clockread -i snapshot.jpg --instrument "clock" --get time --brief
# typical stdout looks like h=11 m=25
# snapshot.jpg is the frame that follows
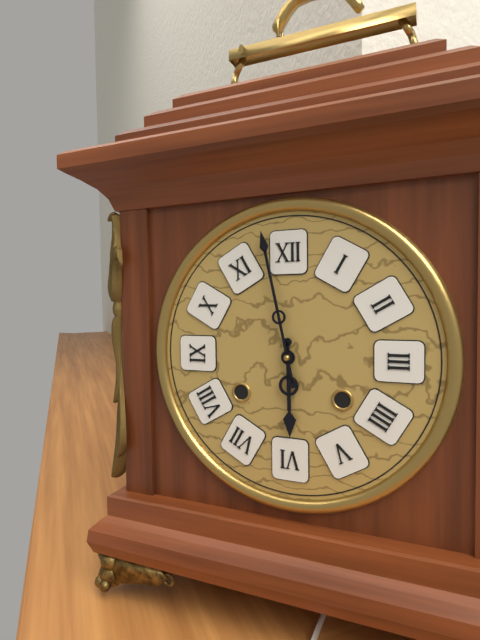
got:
h=5 m=58
